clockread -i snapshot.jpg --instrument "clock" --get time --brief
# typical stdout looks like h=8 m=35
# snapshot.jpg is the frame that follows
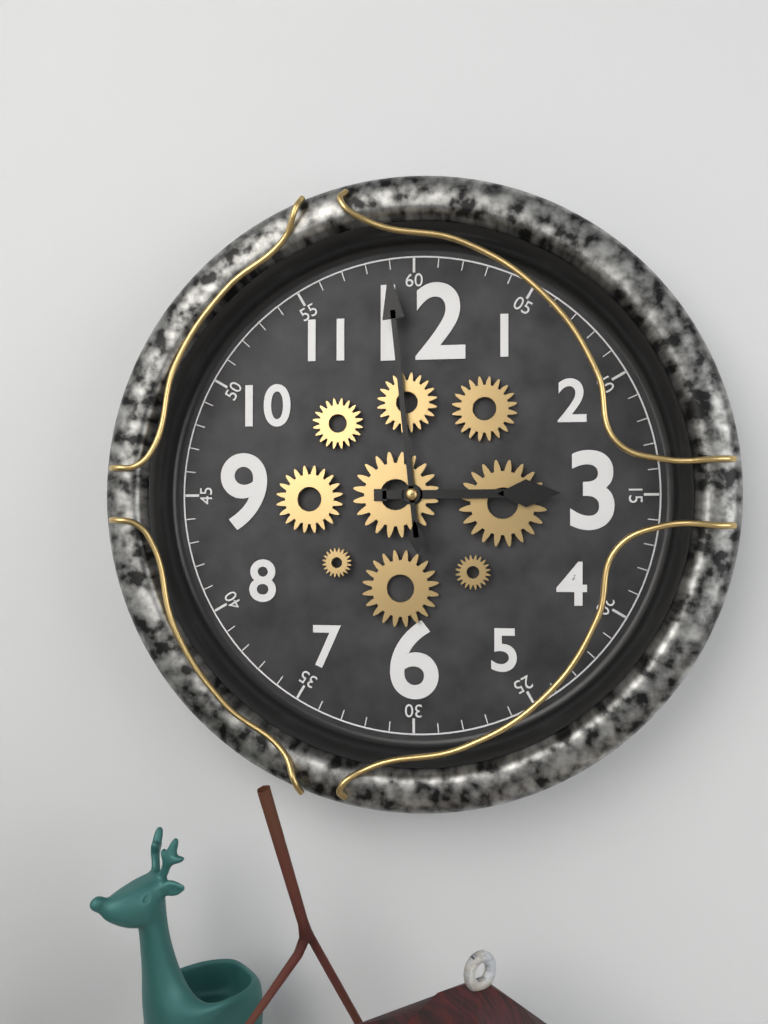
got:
h=2 m=59
